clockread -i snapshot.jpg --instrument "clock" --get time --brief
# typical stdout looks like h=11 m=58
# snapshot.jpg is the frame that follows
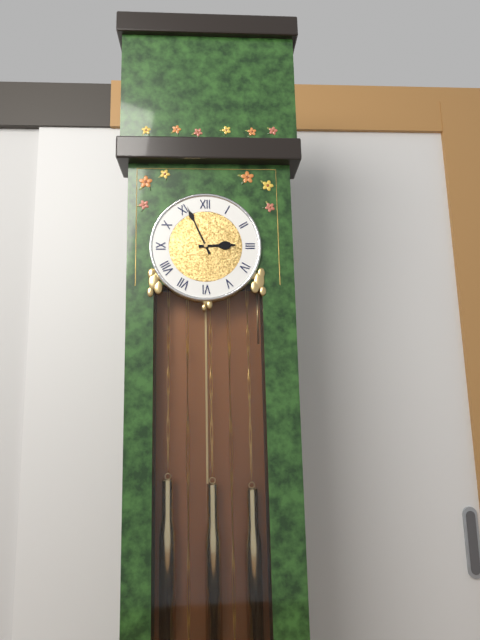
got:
h=2 m=56
